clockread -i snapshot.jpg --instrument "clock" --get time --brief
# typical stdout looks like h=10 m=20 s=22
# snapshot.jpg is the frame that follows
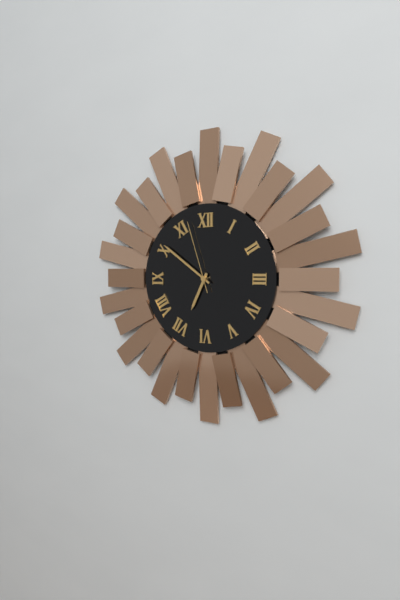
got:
h=6 m=51 s=57
